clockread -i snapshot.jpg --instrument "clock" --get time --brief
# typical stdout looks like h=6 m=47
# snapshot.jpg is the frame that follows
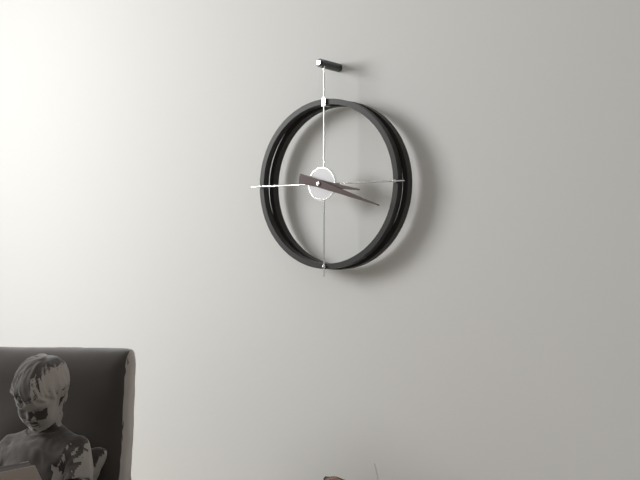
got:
h=3 m=18
